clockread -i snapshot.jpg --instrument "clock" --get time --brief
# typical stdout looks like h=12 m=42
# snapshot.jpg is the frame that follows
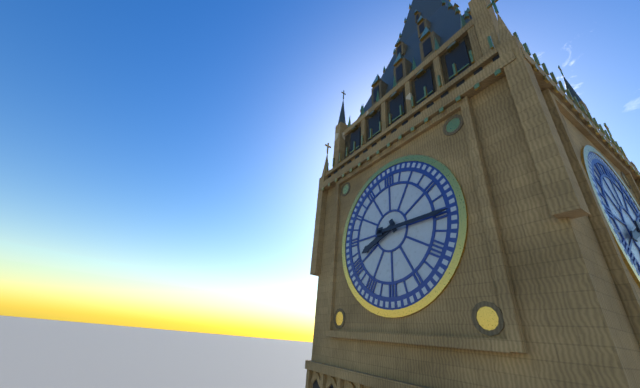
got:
h=8 m=15
